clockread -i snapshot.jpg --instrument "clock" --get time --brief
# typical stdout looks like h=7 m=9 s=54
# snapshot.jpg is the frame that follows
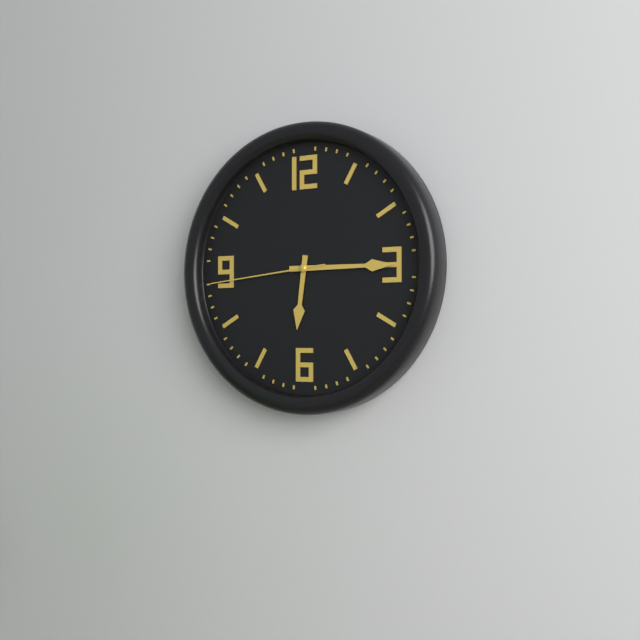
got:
h=6 m=15 s=44
